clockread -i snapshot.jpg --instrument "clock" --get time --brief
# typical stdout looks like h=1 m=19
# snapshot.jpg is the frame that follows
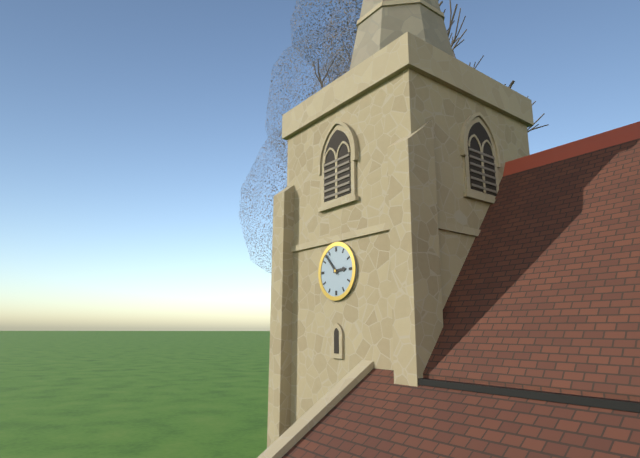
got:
h=2 m=53
